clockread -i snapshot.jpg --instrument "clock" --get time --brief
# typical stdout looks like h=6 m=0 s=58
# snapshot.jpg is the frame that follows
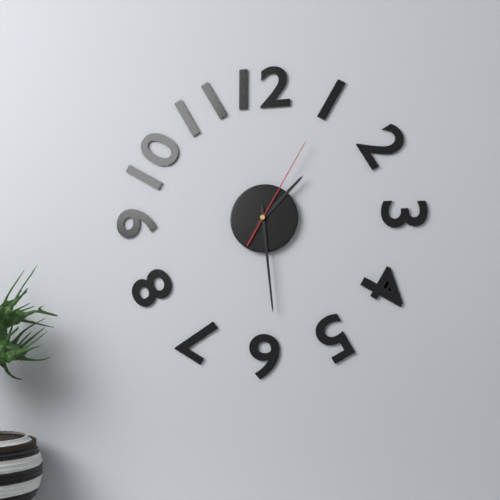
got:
h=1 m=29 s=5
